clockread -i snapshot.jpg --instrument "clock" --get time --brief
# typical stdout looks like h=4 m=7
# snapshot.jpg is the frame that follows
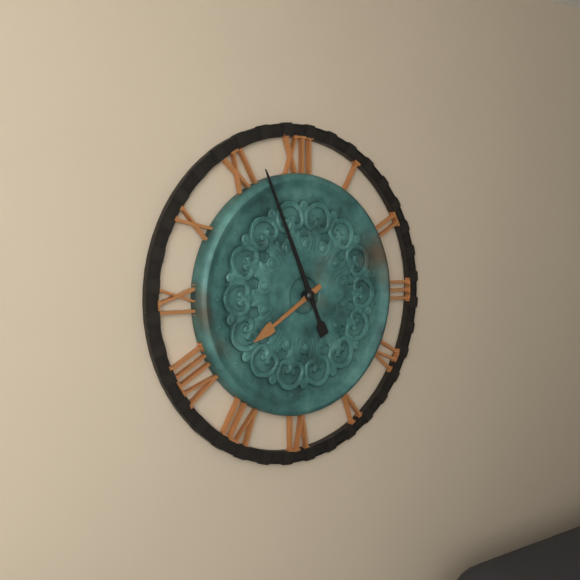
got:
h=7 m=56
